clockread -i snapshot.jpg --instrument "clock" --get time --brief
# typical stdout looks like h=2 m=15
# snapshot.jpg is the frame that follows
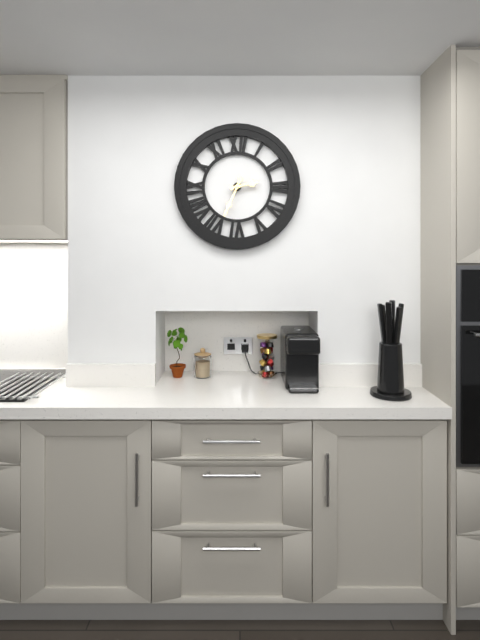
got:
h=2 m=34
